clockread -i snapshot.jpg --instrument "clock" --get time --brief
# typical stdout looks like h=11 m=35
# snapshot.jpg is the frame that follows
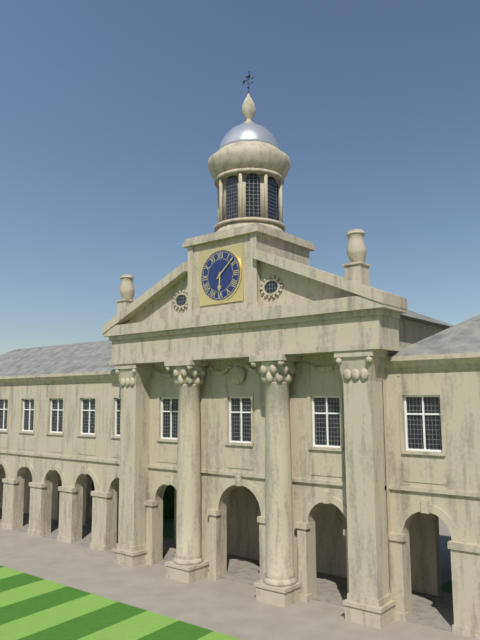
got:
h=6 m=8
